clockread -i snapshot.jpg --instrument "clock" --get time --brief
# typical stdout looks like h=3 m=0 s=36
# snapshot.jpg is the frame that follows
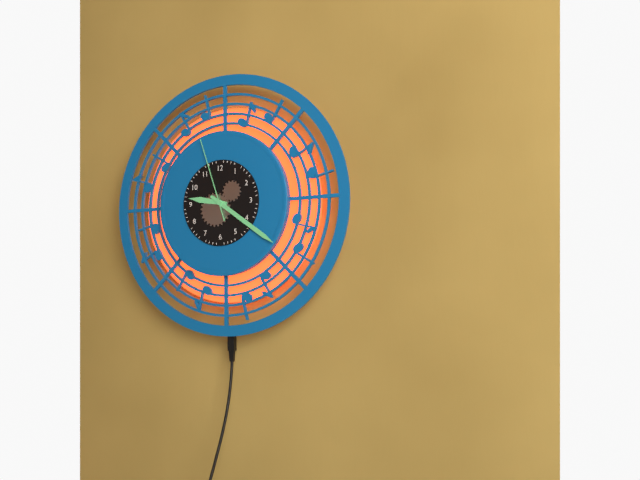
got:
h=9 m=21 s=57
